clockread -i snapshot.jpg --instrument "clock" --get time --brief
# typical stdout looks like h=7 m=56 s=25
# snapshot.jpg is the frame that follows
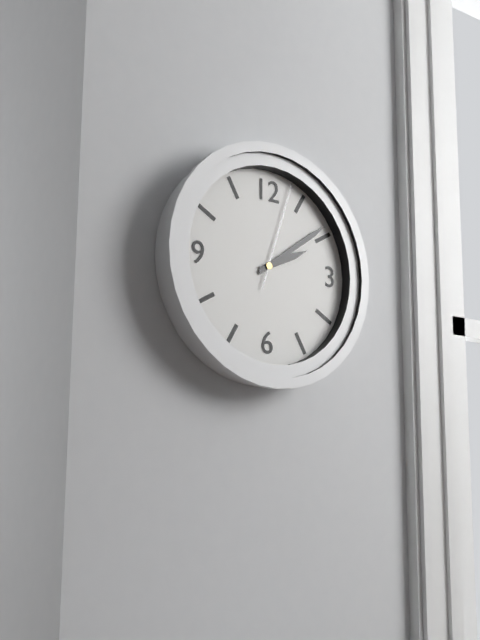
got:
h=2 m=9 s=3
